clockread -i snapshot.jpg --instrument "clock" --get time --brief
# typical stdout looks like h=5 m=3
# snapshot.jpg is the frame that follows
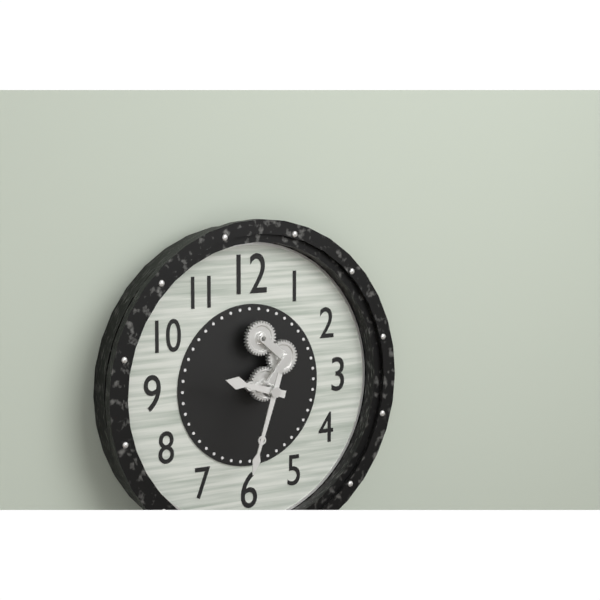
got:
h=9 m=33
